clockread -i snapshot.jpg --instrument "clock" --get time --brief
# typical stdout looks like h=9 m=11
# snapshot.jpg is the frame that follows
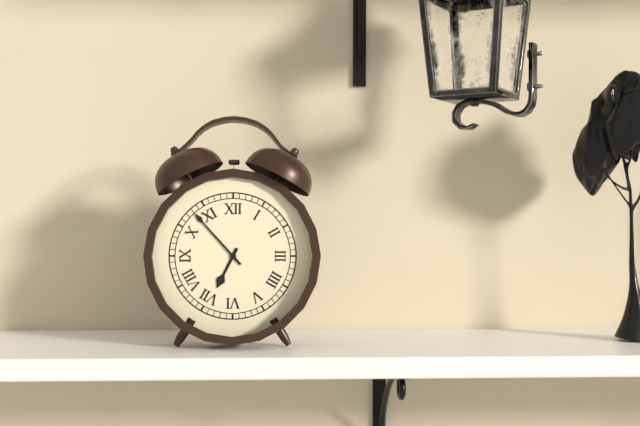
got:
h=6 m=53
